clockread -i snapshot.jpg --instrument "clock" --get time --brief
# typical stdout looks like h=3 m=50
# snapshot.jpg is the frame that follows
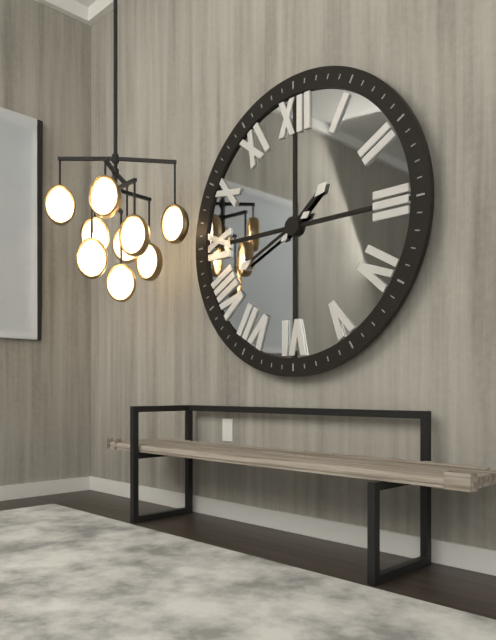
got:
h=1 m=41
